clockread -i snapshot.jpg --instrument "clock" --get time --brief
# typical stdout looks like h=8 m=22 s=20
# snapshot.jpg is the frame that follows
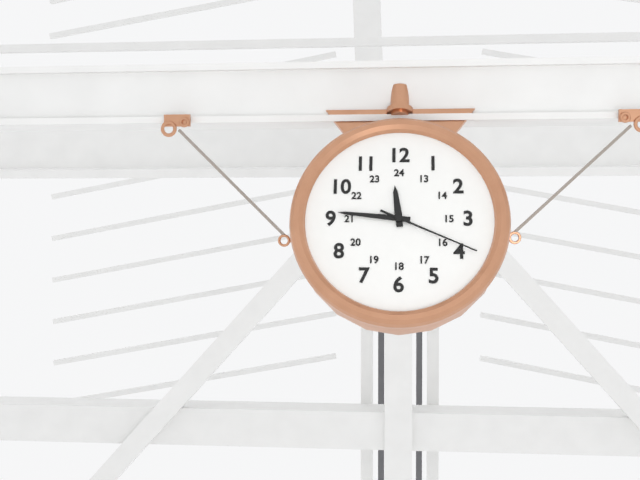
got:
h=11 m=46 s=19
